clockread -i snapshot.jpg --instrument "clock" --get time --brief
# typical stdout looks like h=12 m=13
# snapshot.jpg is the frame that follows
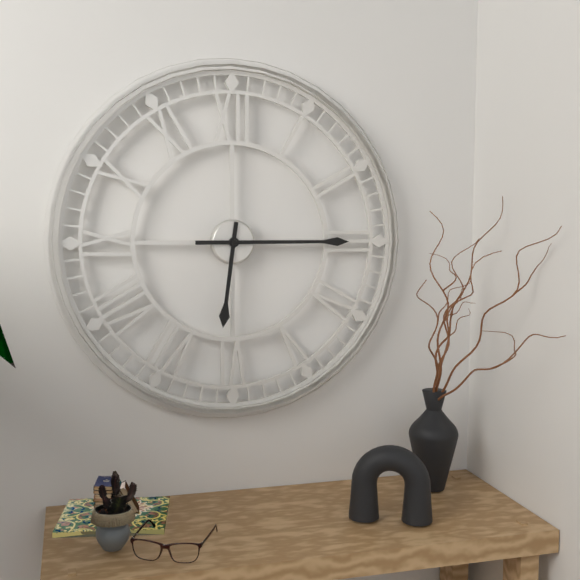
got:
h=6 m=15
